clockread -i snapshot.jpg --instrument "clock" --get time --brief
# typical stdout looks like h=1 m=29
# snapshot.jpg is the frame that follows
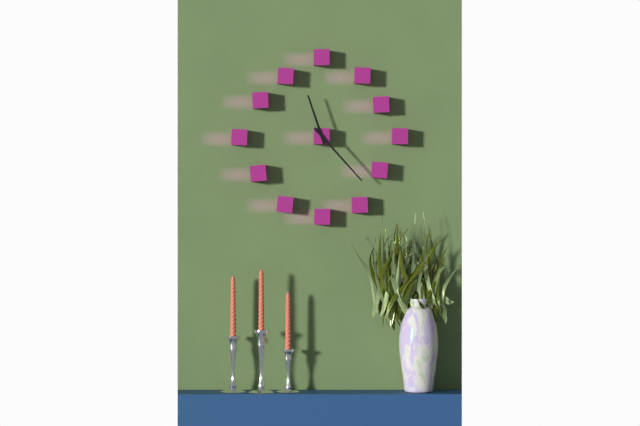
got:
h=11 m=23
